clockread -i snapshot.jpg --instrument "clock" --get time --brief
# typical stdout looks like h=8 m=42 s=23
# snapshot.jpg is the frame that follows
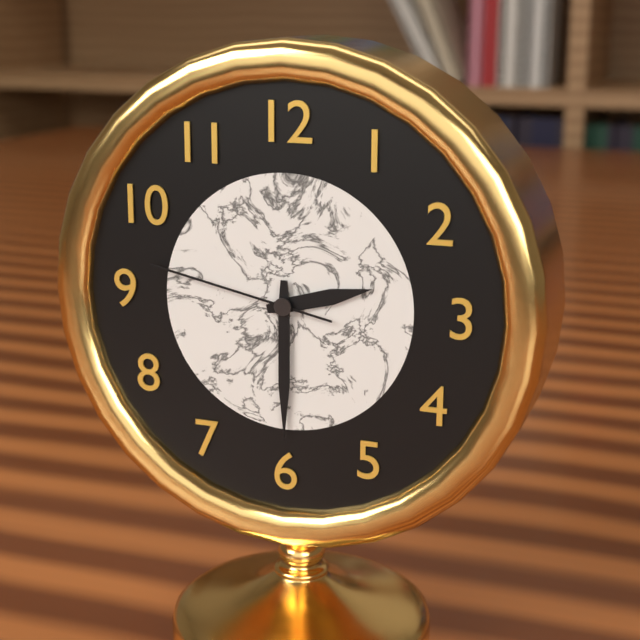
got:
h=2 m=30 s=47
